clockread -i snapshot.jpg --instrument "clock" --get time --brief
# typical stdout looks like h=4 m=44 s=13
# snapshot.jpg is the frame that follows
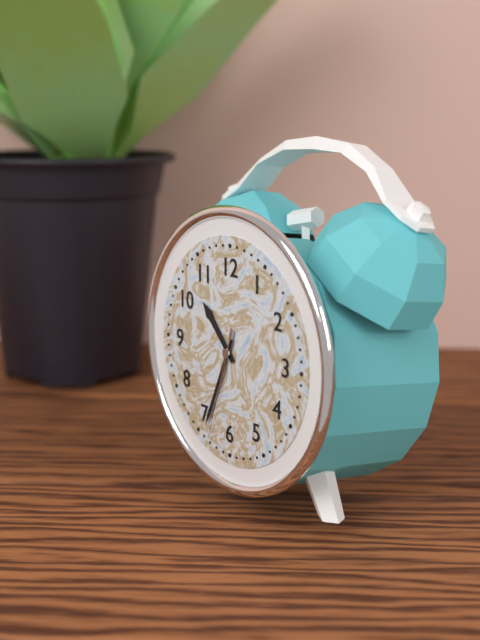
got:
h=10 m=34 s=33
